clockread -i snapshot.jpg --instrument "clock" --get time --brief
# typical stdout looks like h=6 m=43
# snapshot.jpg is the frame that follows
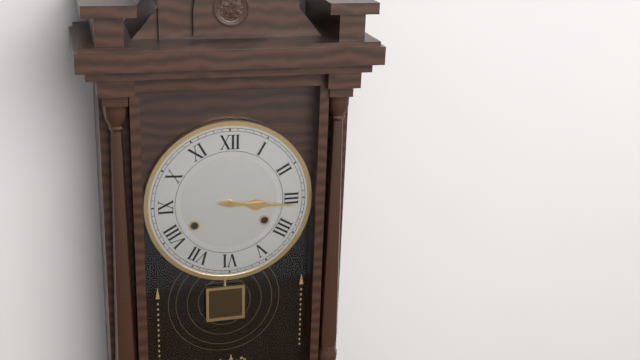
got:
h=3 m=16
